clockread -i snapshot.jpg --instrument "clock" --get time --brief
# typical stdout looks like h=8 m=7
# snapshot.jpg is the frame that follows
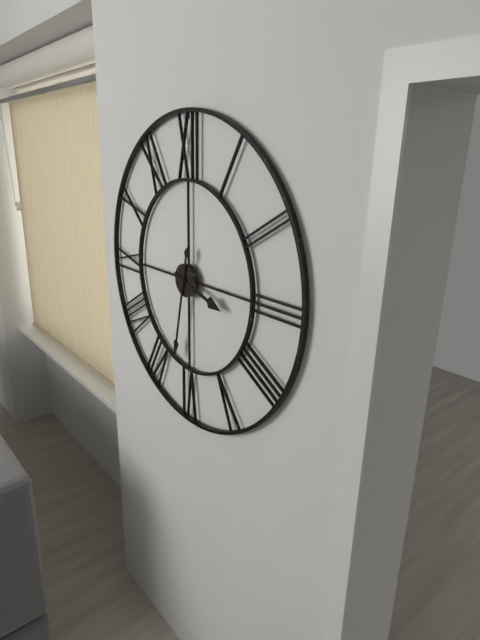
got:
h=3 m=32
